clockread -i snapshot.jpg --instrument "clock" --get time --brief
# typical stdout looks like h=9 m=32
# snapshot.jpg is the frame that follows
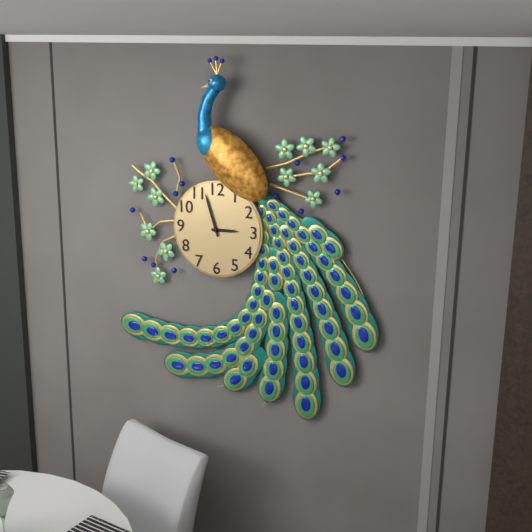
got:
h=2 m=57
